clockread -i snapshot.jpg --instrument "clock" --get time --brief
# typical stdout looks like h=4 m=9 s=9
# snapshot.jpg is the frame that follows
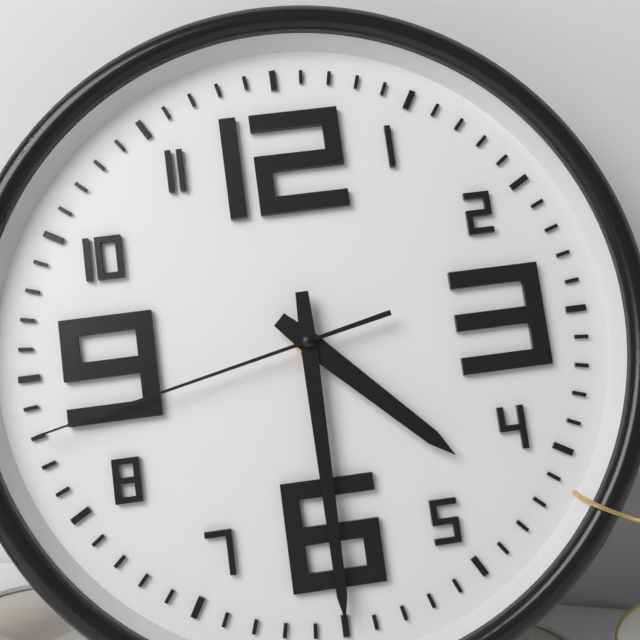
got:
h=4 m=30 s=43
